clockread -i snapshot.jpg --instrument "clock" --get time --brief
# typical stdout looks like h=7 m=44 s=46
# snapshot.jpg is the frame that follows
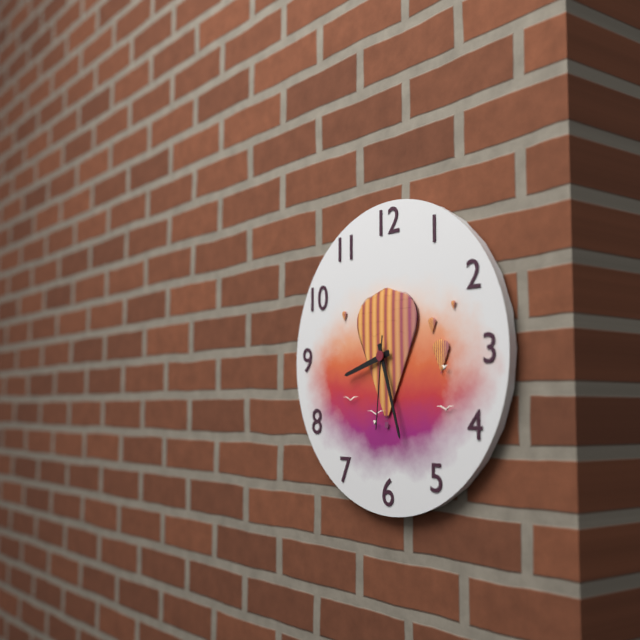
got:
h=8 m=27 s=31
